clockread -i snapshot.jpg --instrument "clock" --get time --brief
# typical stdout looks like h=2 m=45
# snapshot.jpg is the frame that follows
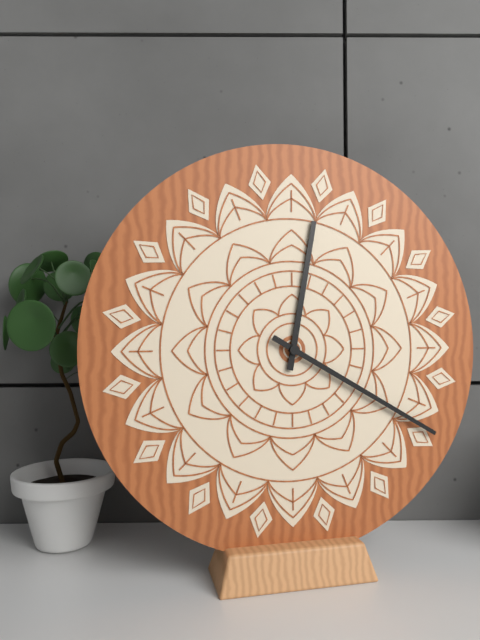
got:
h=12 m=20
